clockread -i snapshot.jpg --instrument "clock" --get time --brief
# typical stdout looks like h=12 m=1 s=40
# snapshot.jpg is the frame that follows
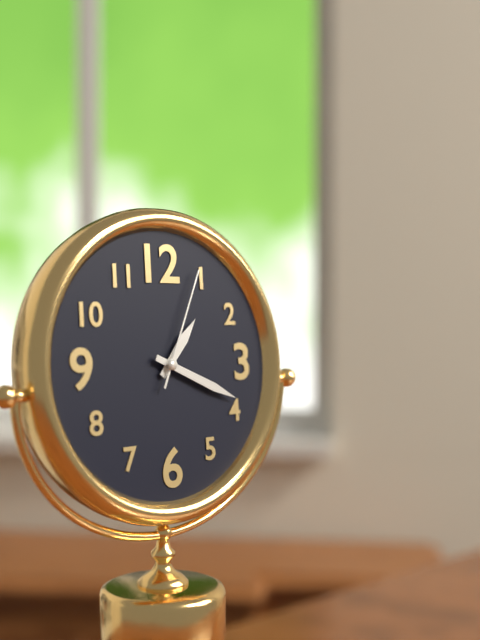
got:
h=1 m=19 s=4
